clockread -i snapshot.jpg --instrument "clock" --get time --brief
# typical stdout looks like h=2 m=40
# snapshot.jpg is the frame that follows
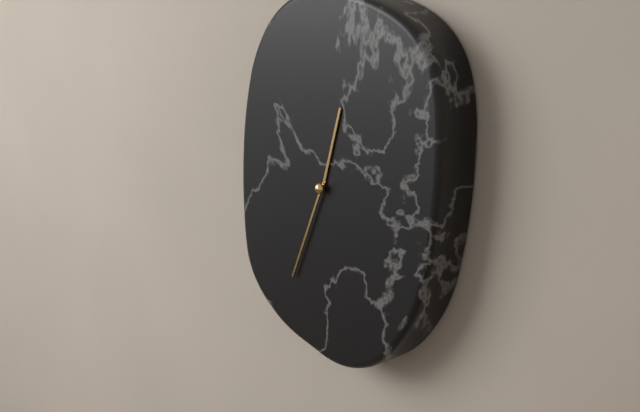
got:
h=12 m=34
